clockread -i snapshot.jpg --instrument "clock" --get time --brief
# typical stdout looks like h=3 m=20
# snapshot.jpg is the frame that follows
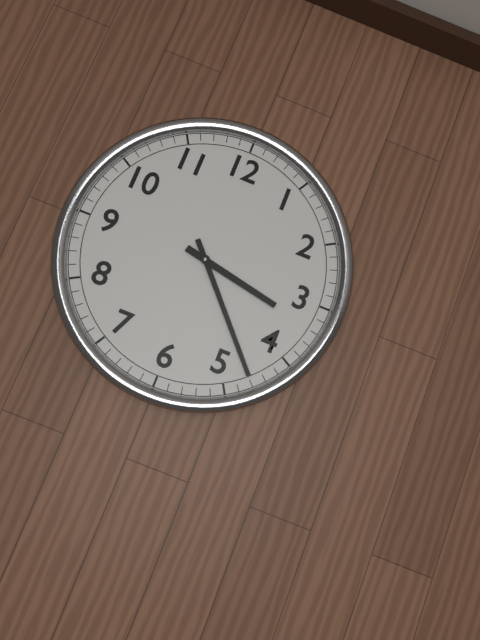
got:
h=3 m=23
